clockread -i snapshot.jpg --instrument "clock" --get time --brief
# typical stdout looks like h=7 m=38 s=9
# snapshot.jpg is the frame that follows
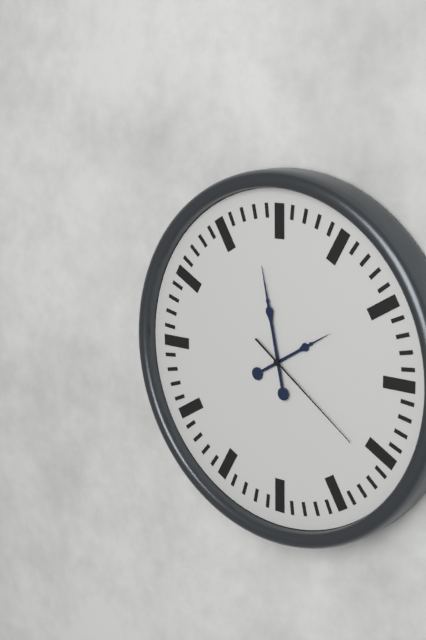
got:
h=1 m=58 s=21
